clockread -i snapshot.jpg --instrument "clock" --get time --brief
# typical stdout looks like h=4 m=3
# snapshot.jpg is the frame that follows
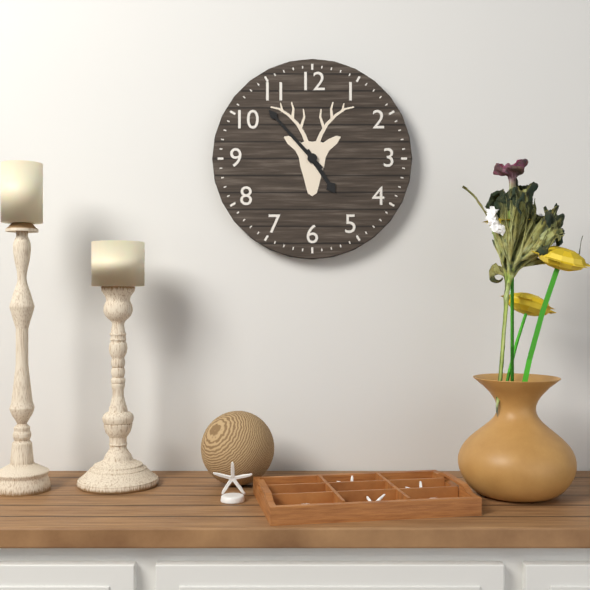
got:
h=4 m=53
